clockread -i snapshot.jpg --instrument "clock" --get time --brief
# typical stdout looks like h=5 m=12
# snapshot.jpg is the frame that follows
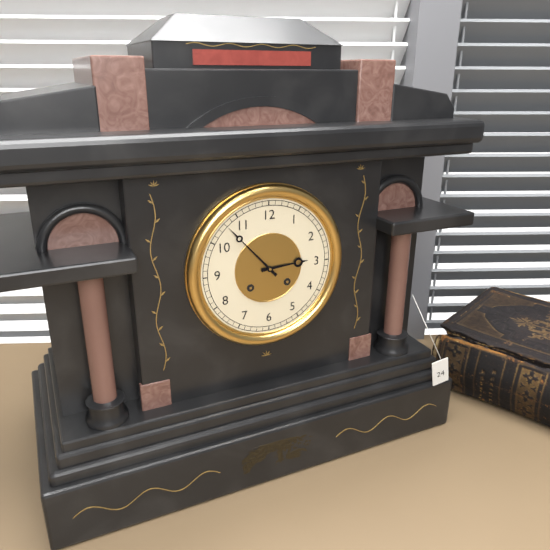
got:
h=2 m=53
